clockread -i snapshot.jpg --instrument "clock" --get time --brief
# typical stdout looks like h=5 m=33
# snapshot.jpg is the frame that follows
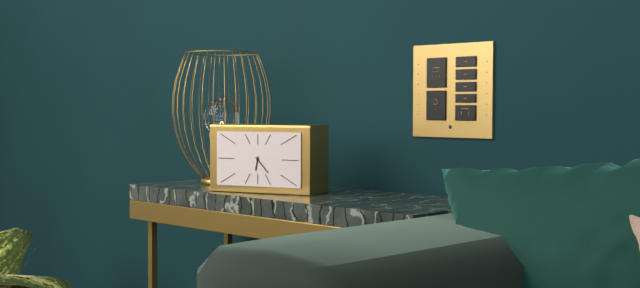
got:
h=6 m=23
